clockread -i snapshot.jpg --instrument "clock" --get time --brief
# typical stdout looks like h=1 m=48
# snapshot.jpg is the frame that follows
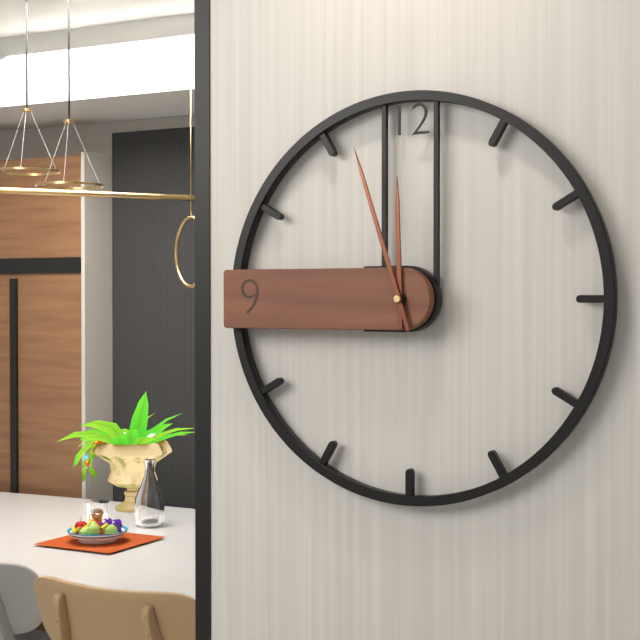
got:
h=11 m=57
